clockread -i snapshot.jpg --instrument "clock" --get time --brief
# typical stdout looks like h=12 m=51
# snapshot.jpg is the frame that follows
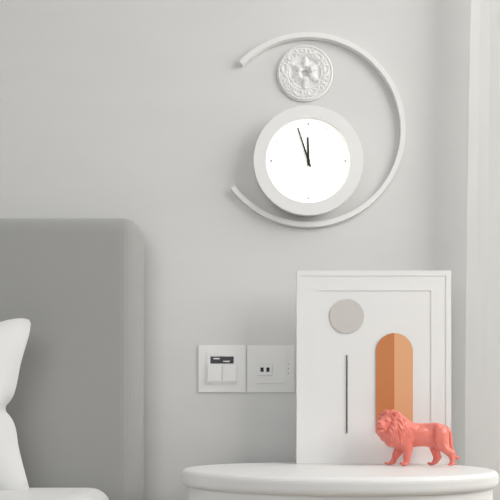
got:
h=11 m=57
